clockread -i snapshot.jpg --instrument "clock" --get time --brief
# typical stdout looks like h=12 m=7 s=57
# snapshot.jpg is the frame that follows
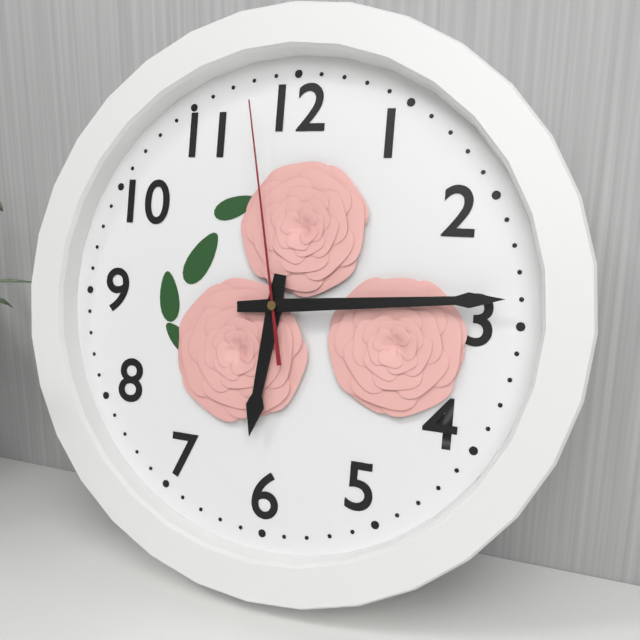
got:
h=6 m=14 s=58
